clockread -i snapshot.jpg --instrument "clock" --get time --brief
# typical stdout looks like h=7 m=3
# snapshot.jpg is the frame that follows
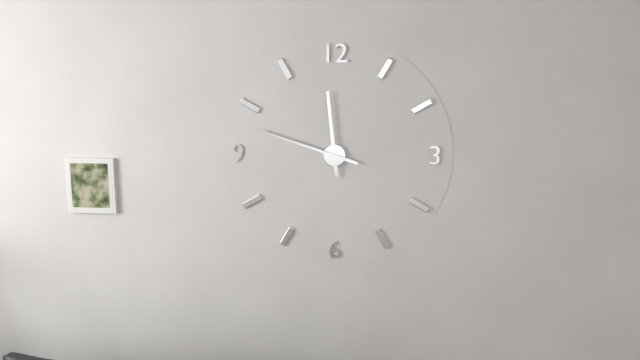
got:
h=11 m=48
